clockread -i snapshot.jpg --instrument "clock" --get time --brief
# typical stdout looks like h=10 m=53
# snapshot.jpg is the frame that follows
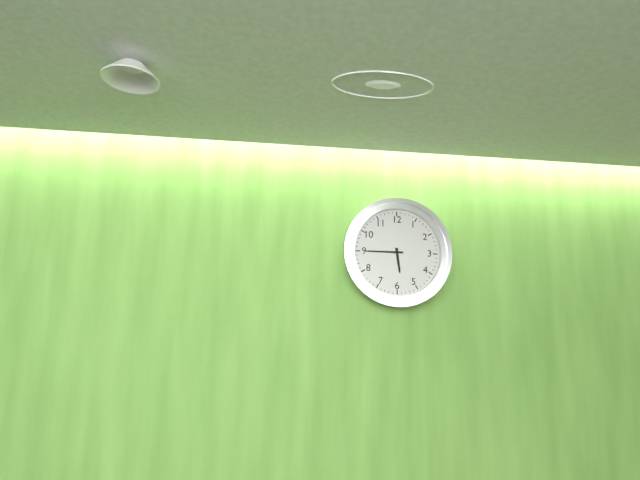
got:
h=5 m=45
